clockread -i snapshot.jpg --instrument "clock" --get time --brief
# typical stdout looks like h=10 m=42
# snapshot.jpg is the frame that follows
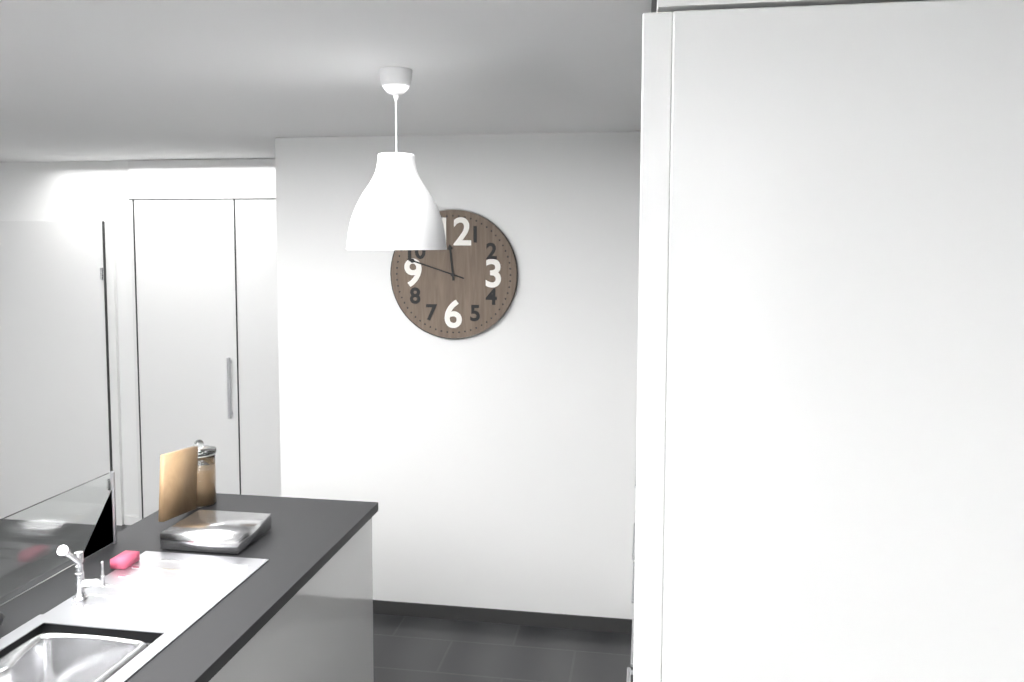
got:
h=11 m=48
